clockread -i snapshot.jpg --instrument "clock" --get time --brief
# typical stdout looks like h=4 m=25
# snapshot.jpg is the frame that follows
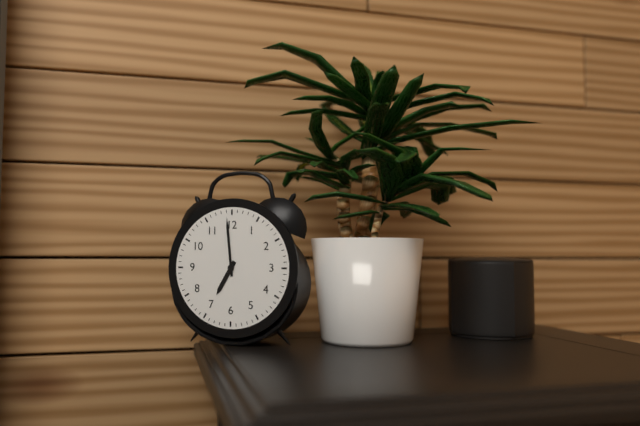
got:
h=6 m=59
